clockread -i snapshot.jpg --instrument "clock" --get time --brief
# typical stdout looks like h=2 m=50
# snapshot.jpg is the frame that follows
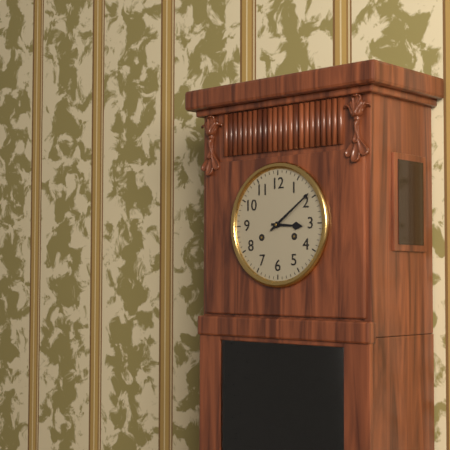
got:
h=3 m=9
